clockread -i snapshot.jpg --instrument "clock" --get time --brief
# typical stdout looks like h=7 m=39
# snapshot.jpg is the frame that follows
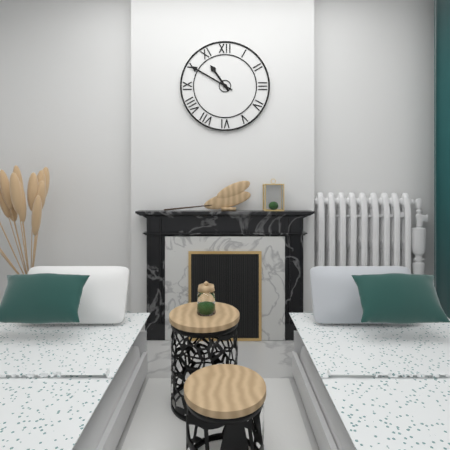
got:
h=10 m=50
